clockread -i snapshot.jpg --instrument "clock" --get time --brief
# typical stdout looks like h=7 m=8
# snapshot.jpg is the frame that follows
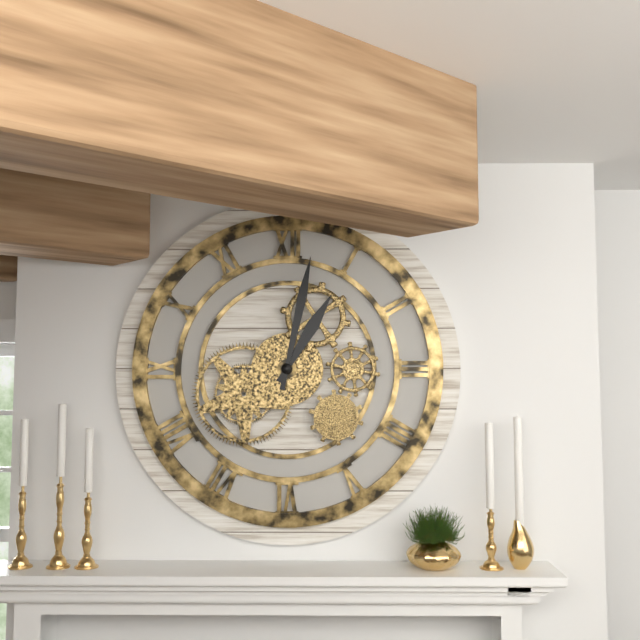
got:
h=1 m=2
